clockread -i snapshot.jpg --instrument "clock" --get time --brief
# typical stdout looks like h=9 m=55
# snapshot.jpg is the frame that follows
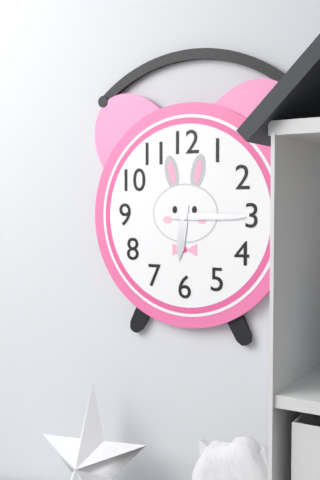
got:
h=6 m=15
